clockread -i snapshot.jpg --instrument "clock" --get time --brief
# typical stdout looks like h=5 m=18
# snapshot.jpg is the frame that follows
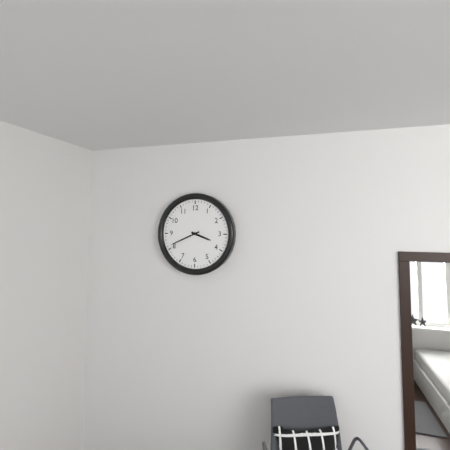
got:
h=3 m=41
